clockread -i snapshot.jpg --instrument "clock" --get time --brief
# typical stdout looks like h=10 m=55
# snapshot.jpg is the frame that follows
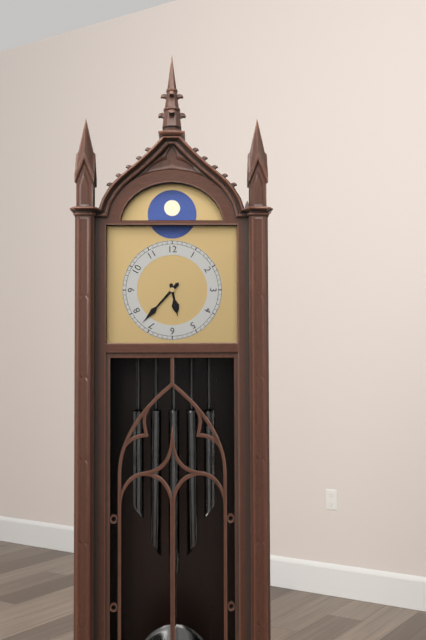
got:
h=5 m=37
